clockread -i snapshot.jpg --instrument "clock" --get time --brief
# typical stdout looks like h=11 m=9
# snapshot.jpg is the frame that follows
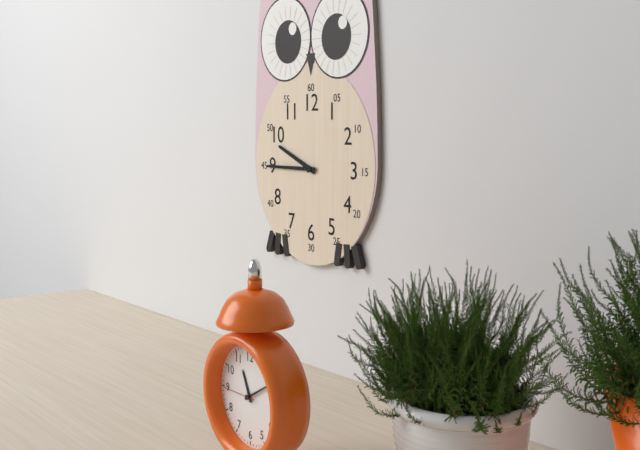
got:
h=9 m=45
